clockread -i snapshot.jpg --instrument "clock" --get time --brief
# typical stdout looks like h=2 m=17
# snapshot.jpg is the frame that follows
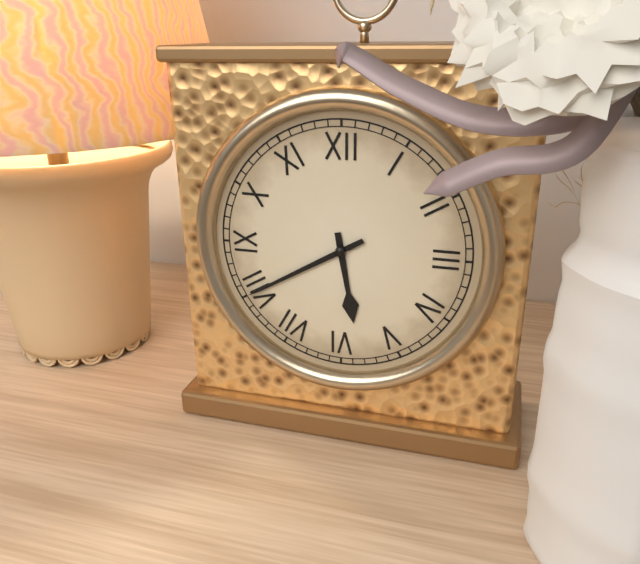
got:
h=5 m=40
